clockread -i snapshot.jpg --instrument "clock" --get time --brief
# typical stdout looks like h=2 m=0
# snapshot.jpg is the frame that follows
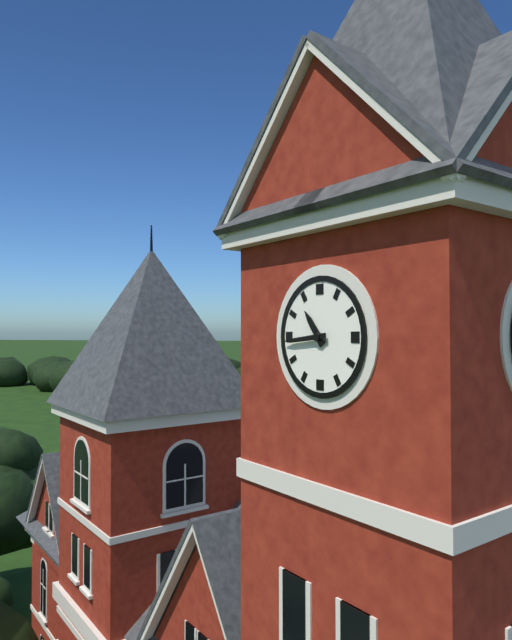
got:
h=10 m=44
